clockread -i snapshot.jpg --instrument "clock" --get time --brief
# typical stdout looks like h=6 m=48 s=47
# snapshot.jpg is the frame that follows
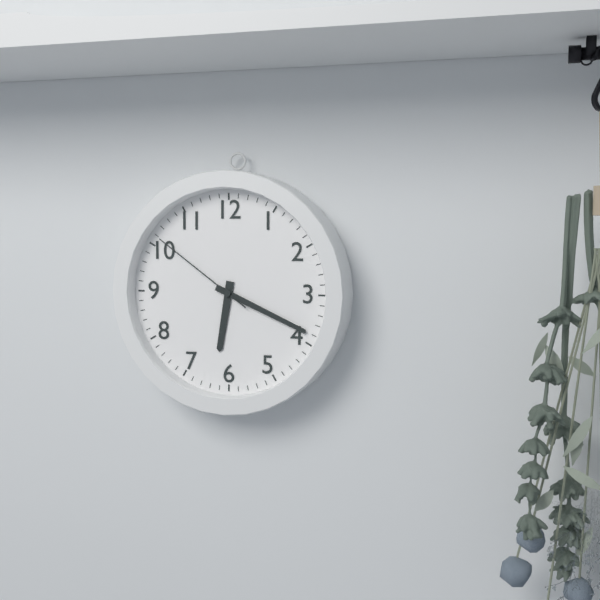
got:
h=6 m=19 s=51
